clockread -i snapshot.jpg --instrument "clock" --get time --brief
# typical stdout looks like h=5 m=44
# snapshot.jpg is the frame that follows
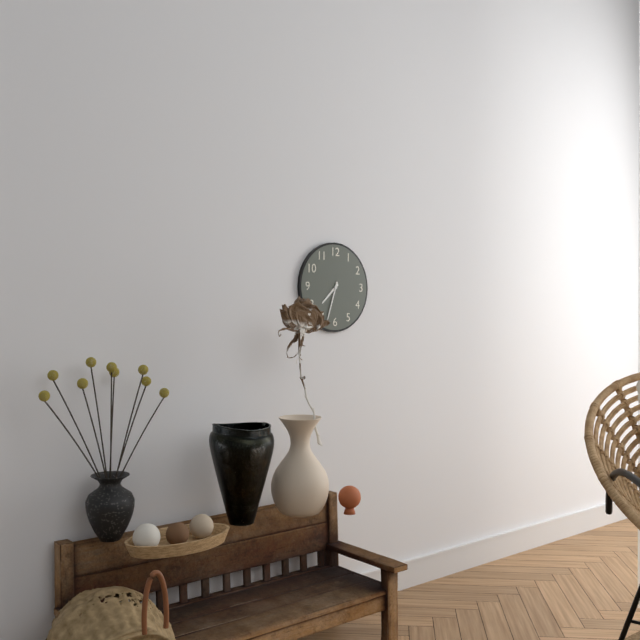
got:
h=7 m=33
